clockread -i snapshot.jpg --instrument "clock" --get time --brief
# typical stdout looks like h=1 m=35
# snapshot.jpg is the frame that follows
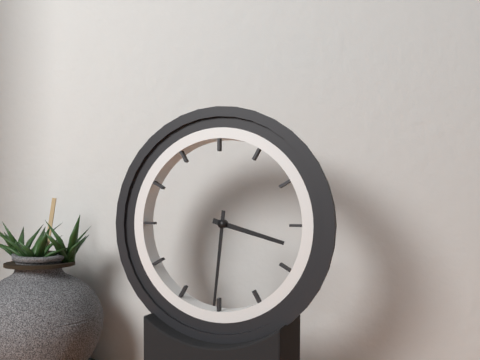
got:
h=3 m=31
